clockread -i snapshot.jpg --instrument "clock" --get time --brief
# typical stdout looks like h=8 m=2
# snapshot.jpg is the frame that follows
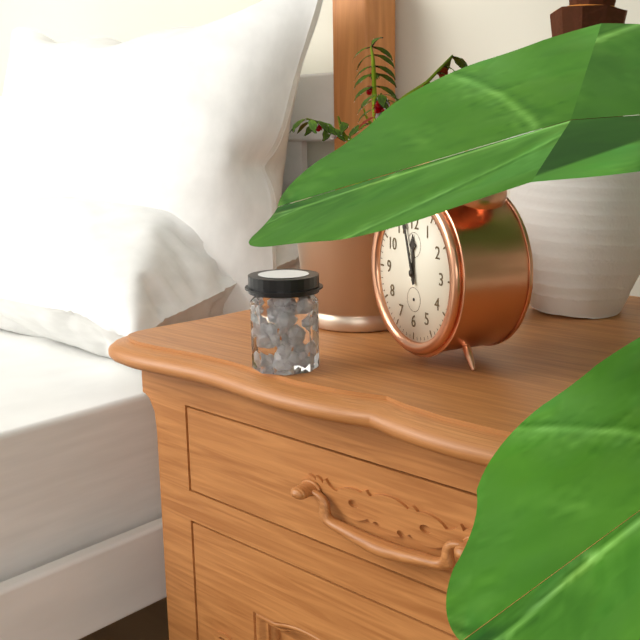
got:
h=11 m=57
